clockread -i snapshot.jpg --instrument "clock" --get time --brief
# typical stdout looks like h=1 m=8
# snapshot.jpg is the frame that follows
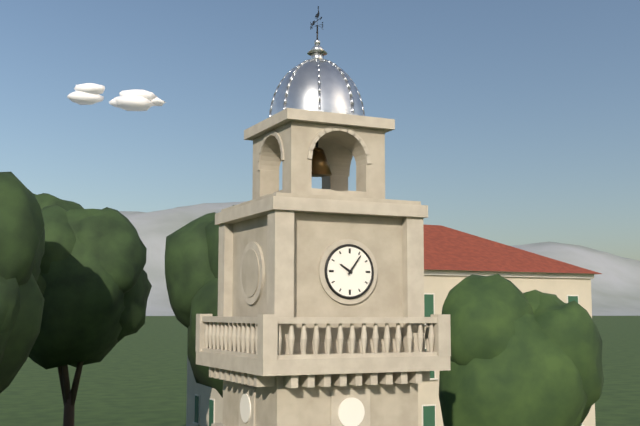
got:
h=10 m=6
